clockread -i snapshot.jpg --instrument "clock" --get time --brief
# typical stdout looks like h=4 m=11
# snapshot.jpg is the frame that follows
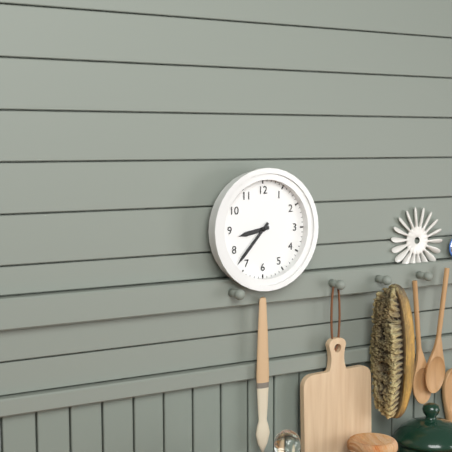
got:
h=8 m=37
